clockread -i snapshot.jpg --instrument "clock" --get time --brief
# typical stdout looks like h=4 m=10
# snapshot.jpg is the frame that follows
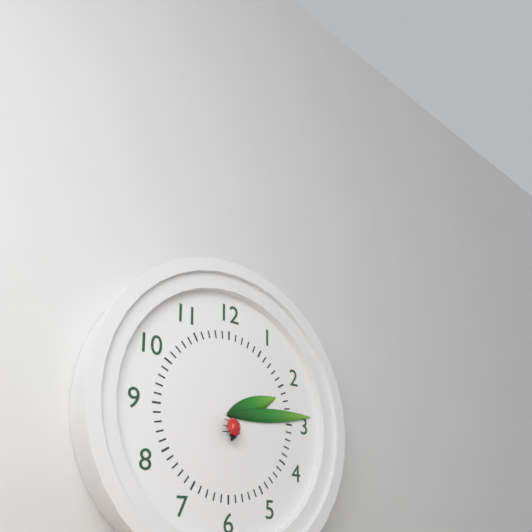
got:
h=2 m=14
